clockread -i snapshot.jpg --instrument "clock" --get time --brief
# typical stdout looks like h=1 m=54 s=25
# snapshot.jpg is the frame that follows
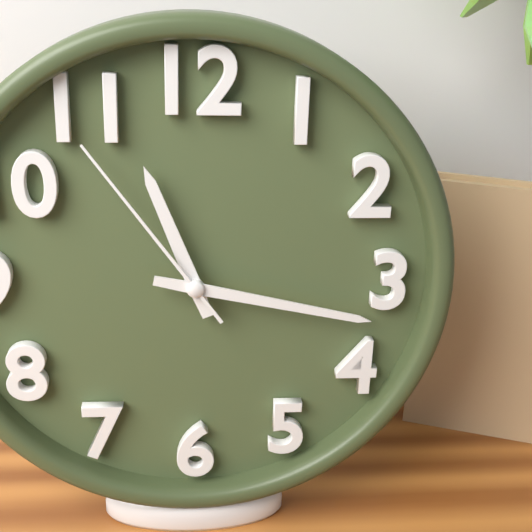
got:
h=11 m=17 s=54
